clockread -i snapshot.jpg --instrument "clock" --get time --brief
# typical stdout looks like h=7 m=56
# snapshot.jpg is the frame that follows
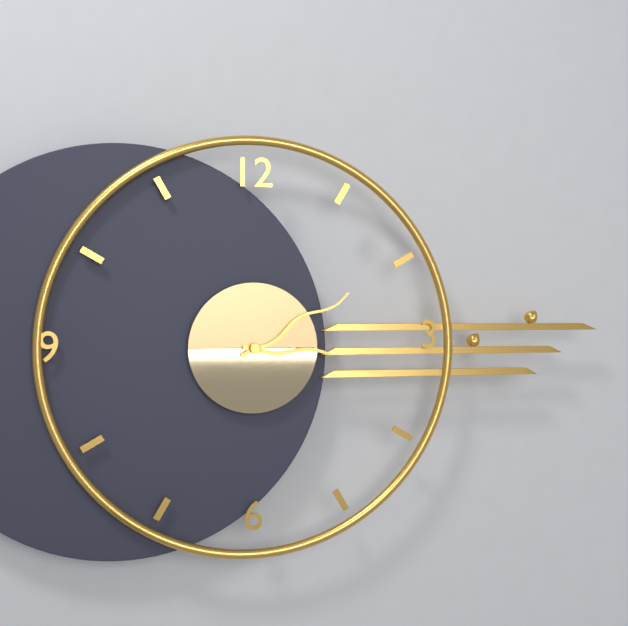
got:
h=3 m=10
